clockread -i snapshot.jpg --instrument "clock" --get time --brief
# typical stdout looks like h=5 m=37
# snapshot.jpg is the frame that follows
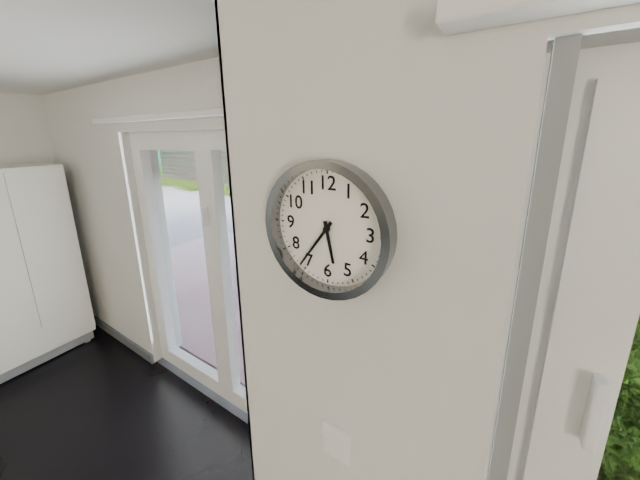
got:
h=5 m=36
